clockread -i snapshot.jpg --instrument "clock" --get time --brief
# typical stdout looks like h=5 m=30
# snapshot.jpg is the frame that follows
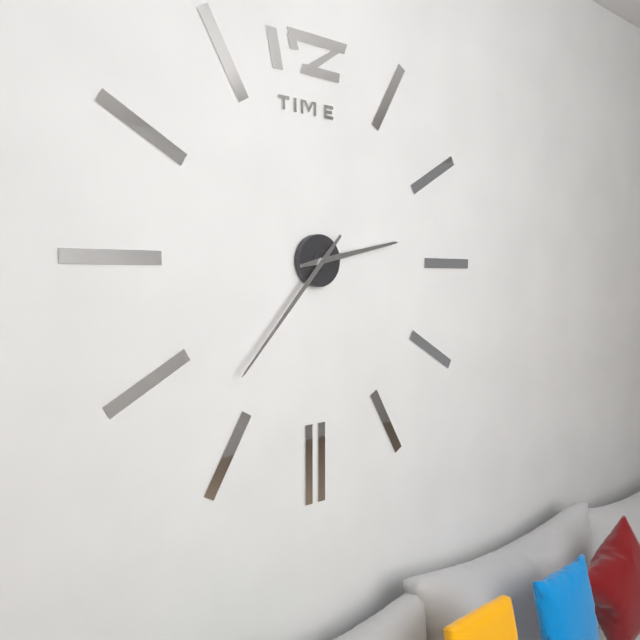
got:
h=2 m=37
